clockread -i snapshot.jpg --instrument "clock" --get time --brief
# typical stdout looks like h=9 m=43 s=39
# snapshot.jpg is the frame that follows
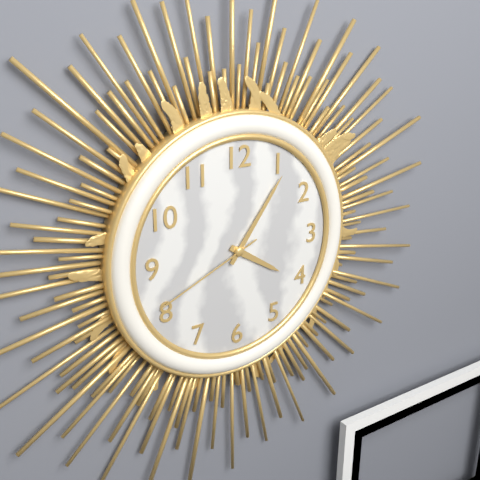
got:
h=4 m=6 s=41
